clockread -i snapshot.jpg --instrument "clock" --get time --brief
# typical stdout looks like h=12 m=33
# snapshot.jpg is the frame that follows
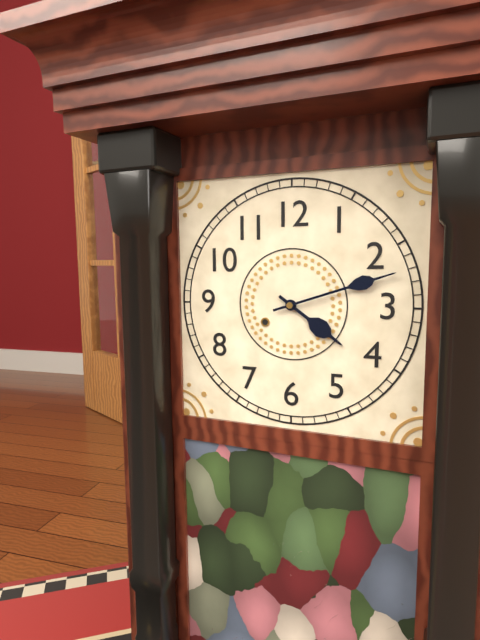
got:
h=4 m=12
